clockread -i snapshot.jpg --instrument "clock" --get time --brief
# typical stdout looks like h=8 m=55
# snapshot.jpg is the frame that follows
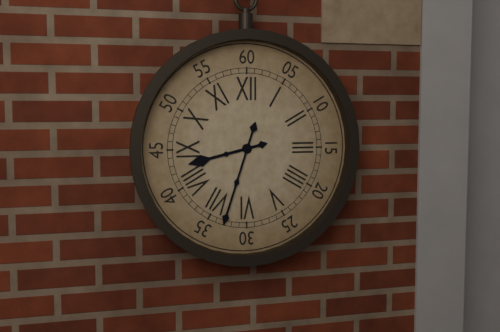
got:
h=8 m=33
